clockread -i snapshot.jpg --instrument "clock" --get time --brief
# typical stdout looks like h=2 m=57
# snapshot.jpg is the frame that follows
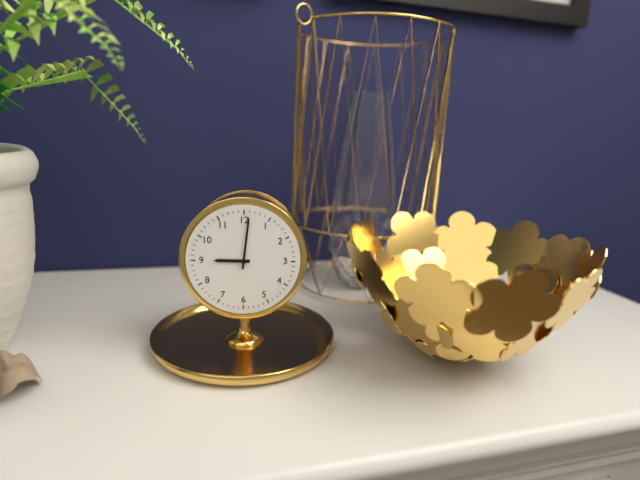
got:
h=9 m=1
